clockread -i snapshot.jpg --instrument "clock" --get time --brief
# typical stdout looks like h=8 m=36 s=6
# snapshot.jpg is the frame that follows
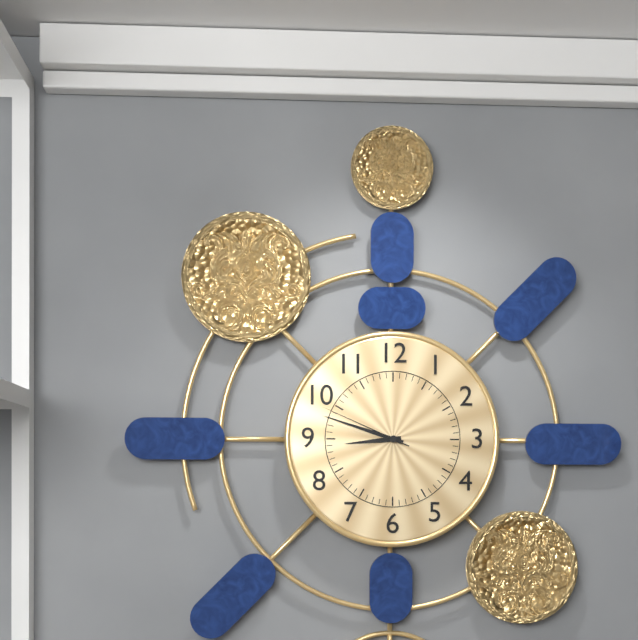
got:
h=8 m=48 s=49
